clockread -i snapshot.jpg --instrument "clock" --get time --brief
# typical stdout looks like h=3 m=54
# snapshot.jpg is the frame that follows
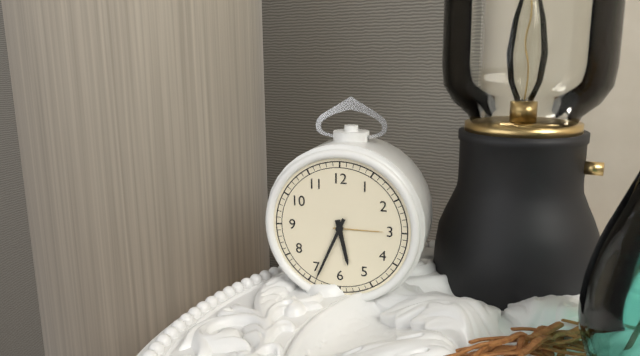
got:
h=5 m=34
